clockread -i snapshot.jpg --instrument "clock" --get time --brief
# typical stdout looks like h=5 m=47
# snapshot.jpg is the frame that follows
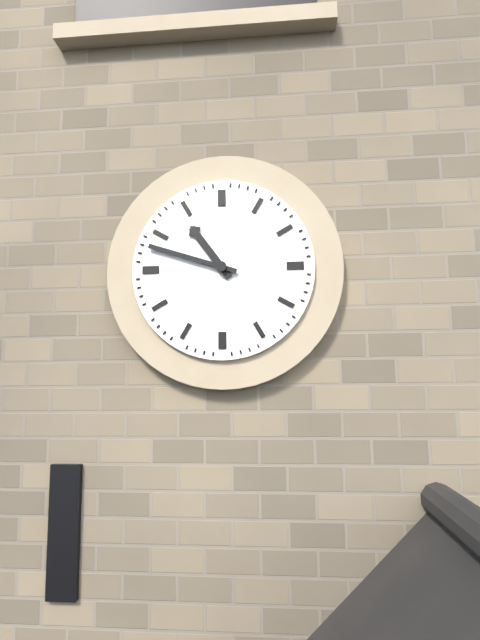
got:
h=10 m=48
